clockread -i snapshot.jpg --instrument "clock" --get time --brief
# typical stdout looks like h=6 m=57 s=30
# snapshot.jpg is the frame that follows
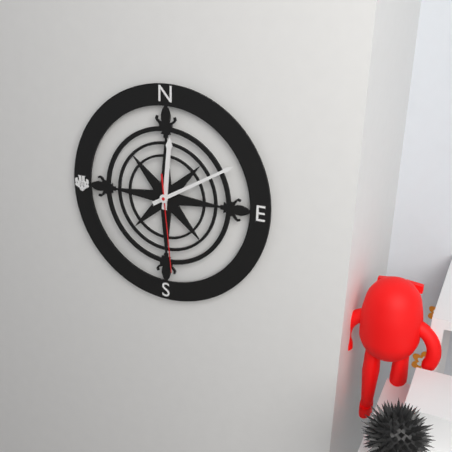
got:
h=12 m=10 s=29
